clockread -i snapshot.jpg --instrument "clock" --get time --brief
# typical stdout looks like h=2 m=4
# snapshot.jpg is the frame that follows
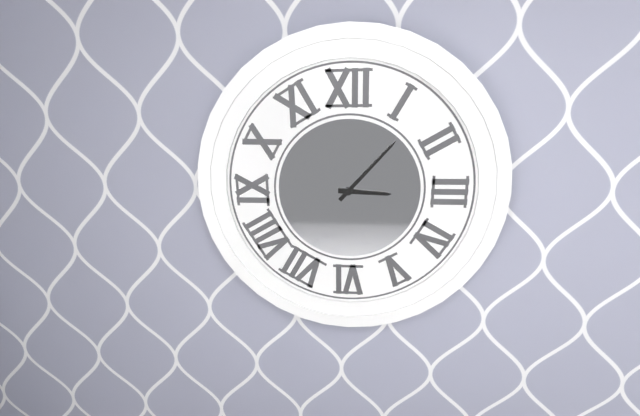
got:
h=3 m=7
